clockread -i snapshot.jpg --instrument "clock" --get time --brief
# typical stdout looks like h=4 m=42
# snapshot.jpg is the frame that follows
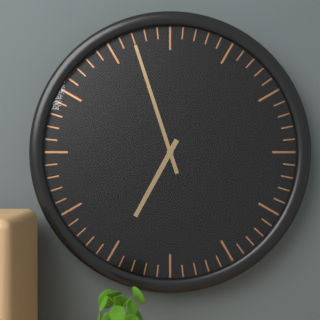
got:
h=6 m=57
